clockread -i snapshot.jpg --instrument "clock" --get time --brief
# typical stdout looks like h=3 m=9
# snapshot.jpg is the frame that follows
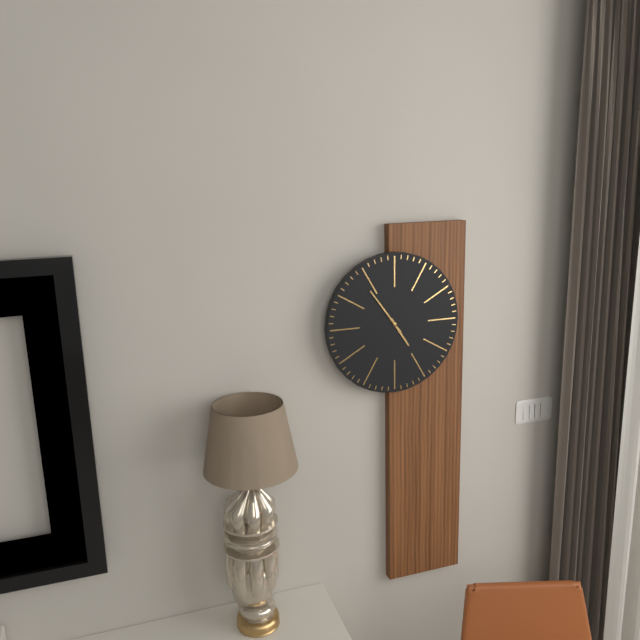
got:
h=4 m=54
